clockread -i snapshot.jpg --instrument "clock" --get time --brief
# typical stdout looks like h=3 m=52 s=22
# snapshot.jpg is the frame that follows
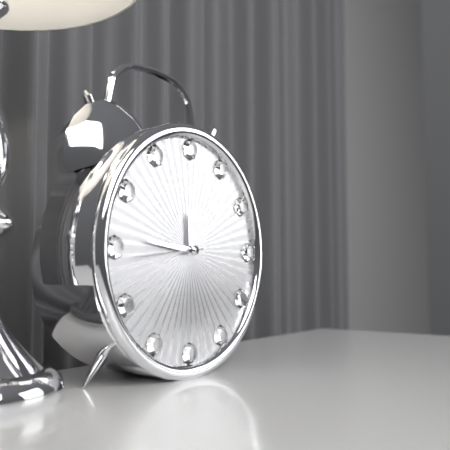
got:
h=11 m=46 s=44
